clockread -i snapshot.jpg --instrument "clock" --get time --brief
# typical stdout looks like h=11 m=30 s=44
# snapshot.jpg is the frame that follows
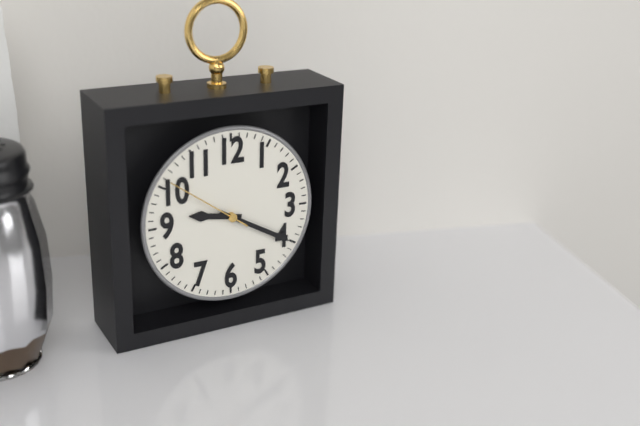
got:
h=9 m=20 s=51
